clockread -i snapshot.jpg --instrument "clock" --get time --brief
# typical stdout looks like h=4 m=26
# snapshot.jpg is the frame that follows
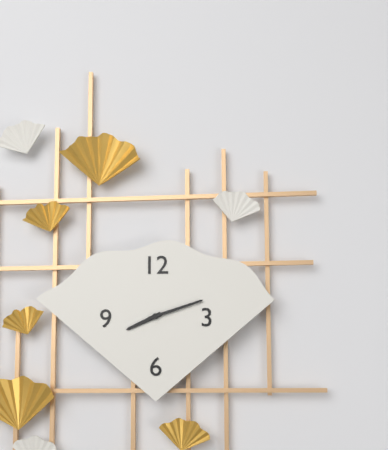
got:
h=8 m=12
